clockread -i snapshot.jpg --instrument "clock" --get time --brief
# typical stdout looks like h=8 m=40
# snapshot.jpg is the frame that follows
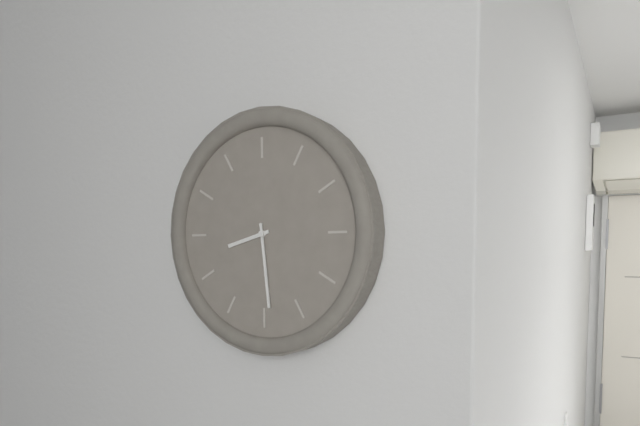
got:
h=8 m=29
